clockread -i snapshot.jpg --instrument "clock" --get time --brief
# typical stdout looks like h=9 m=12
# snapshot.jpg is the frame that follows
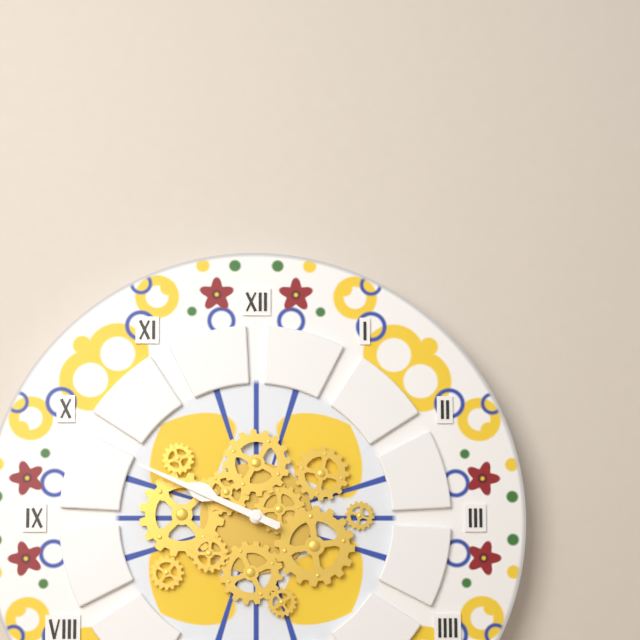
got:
h=9 m=49
